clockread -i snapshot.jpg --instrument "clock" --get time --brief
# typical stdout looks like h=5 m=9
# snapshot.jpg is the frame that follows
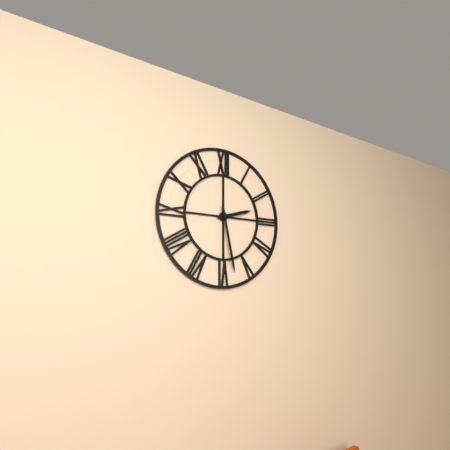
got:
h=2 m=28
